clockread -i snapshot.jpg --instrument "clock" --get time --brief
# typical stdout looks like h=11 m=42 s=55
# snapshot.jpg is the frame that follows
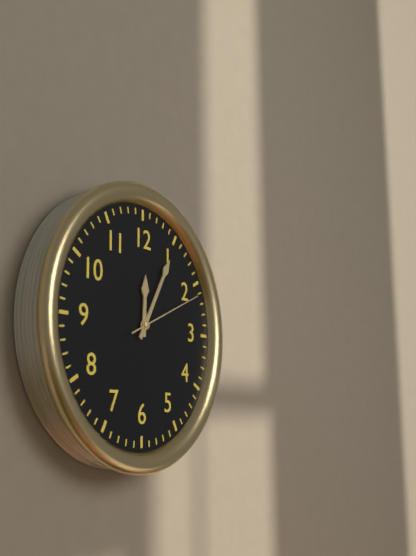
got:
h=12 m=5 s=11
